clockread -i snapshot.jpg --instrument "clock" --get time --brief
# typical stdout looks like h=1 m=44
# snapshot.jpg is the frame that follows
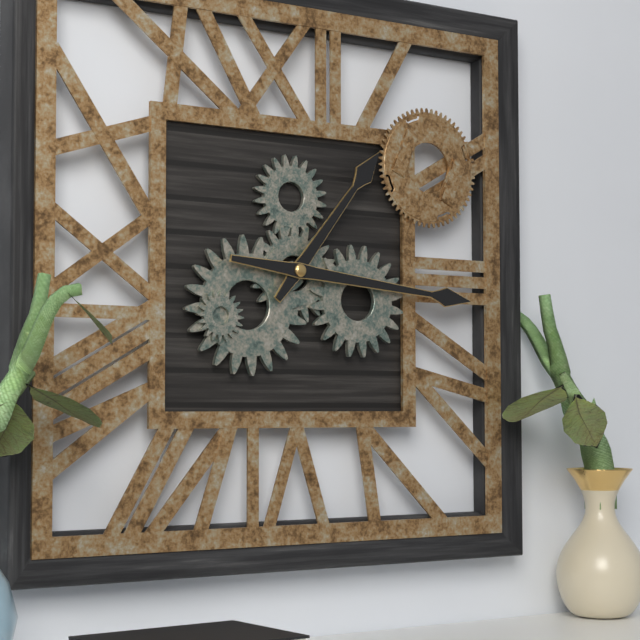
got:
h=1 m=16
